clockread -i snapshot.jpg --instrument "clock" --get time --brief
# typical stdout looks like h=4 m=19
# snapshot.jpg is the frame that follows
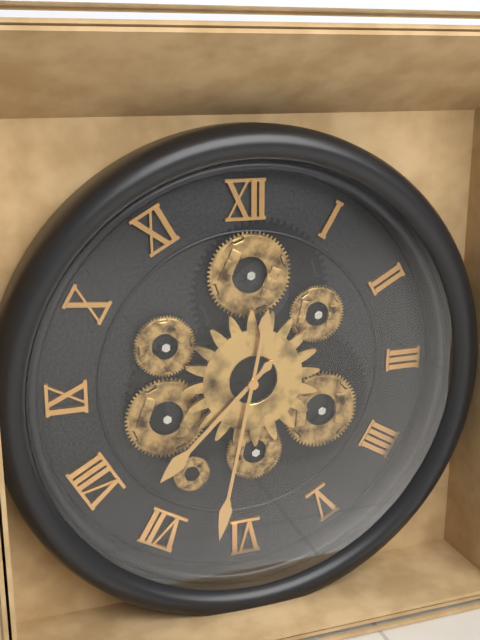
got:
h=7 m=32
